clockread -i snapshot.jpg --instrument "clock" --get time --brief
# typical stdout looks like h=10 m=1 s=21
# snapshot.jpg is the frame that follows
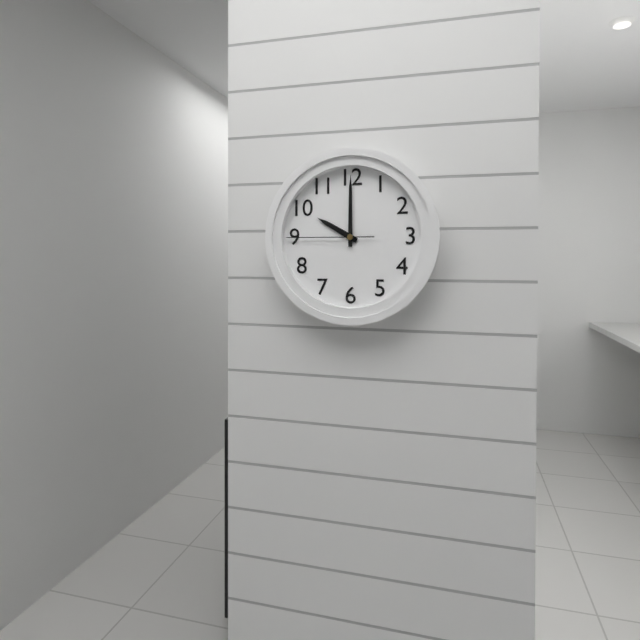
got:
h=10 m=0 s=45
